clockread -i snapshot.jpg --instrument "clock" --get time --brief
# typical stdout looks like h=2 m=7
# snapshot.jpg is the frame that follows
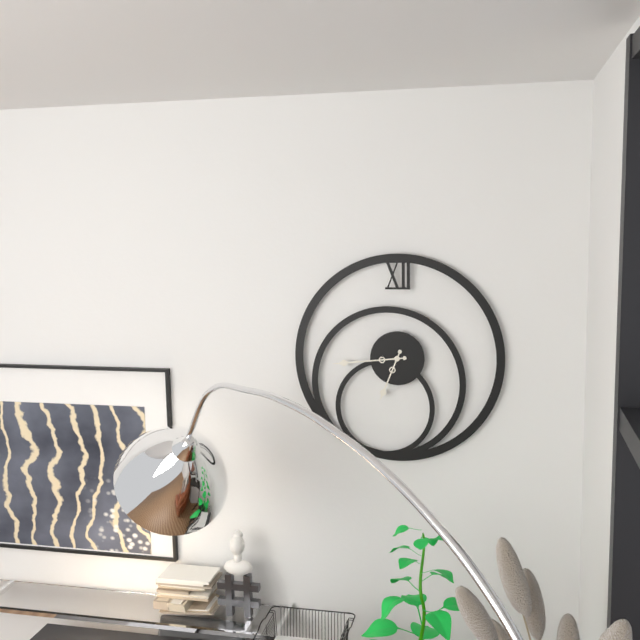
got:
h=6 m=44
